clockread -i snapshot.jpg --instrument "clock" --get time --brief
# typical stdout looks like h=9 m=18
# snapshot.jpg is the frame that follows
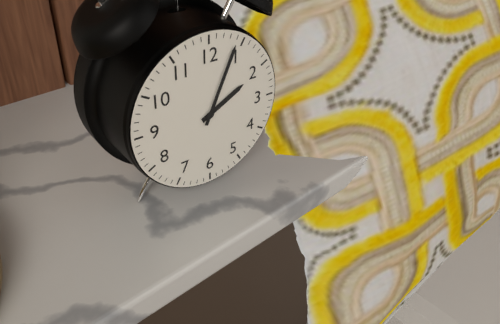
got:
h=2 m=4
